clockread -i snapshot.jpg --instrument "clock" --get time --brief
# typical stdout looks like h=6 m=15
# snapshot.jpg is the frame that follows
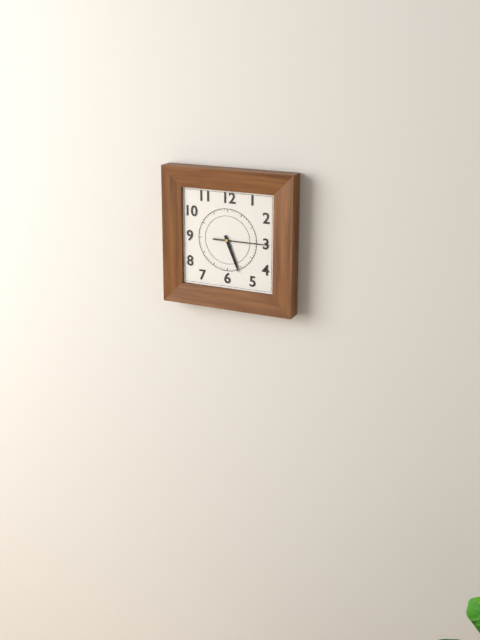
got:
h=5 m=15
